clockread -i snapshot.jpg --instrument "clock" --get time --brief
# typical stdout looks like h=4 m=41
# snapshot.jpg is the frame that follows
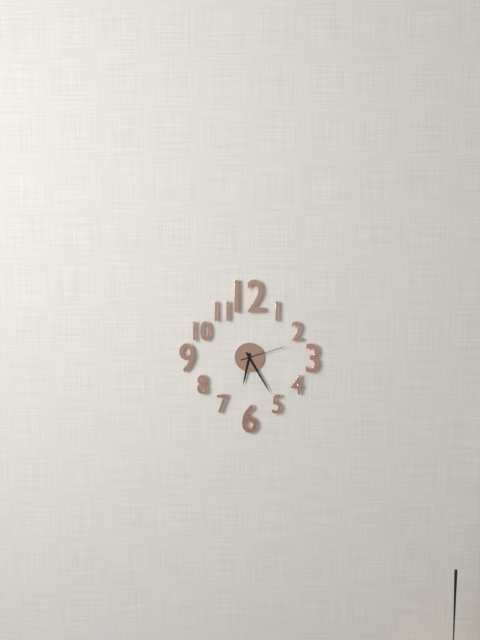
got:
h=6 m=25
